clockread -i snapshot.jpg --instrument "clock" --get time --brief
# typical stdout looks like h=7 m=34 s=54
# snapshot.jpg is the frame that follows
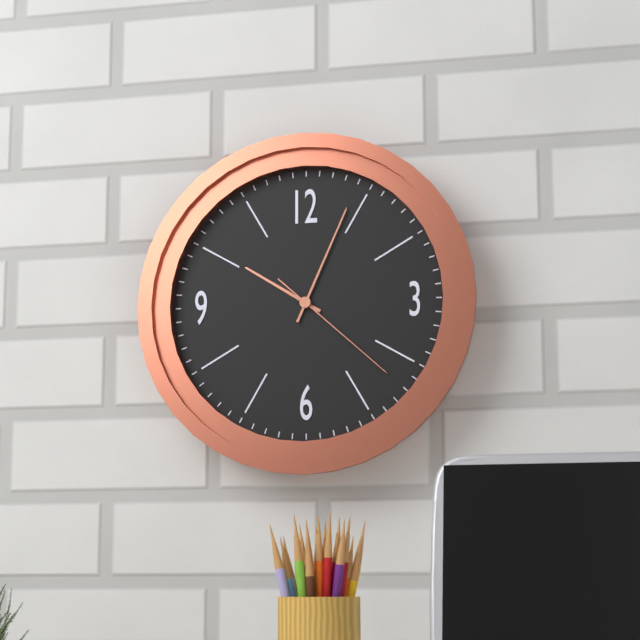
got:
h=10 m=4 s=22
